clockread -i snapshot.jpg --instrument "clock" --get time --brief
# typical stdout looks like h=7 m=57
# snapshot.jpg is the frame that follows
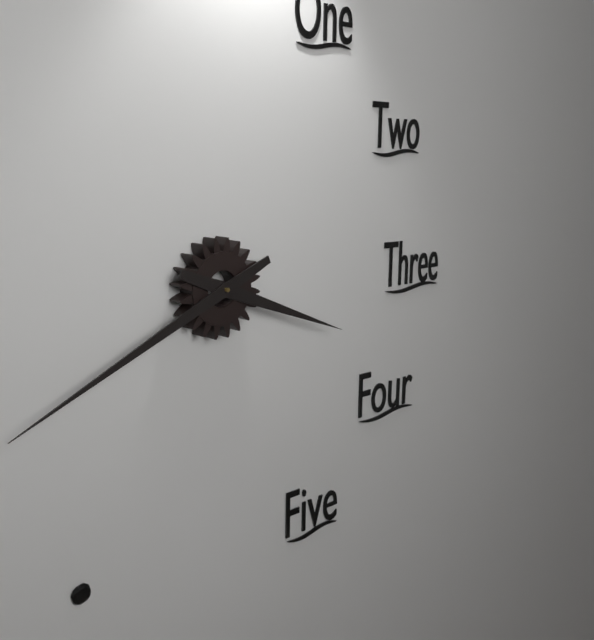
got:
h=3 m=41
